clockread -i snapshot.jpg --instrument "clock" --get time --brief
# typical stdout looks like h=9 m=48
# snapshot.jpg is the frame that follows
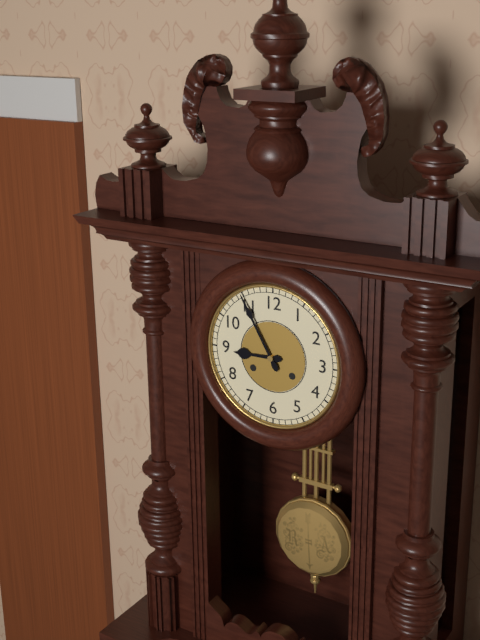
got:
h=8 m=55
